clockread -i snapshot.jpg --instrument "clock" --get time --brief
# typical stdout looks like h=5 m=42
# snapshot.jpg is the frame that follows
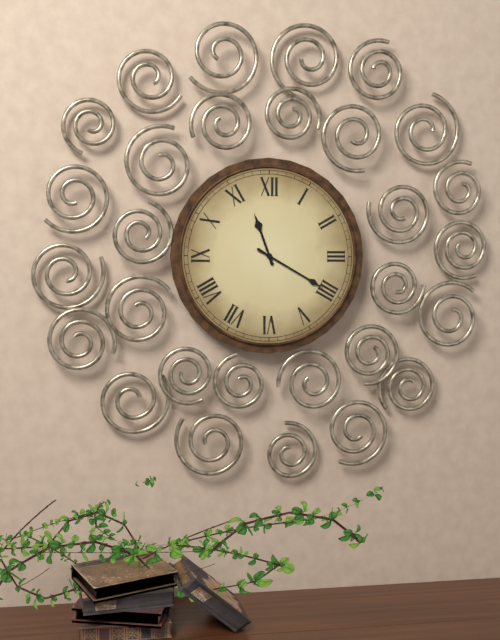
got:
h=11 m=20
